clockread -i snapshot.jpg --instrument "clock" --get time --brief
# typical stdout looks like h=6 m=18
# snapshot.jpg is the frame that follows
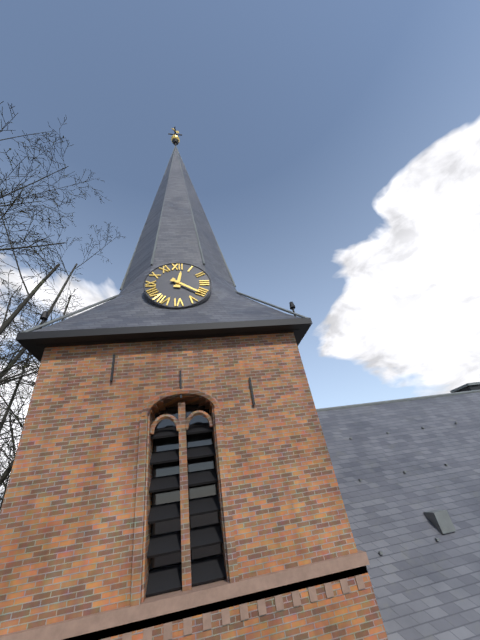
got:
h=12 m=21
